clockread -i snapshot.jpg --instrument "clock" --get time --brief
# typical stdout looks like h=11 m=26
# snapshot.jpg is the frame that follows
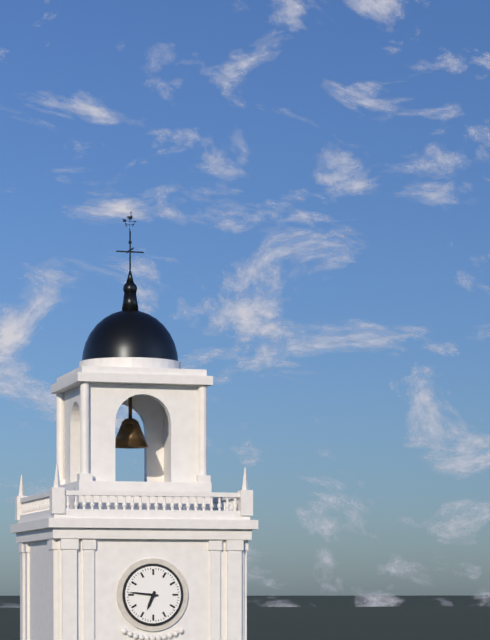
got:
h=6 m=46
